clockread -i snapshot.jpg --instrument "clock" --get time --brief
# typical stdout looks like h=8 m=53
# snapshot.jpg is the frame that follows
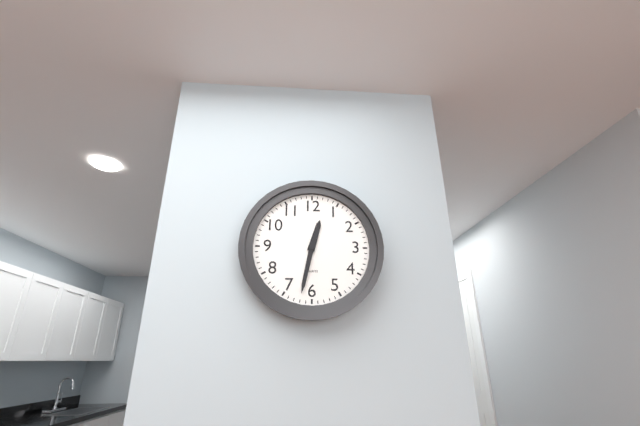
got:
h=12 m=32
